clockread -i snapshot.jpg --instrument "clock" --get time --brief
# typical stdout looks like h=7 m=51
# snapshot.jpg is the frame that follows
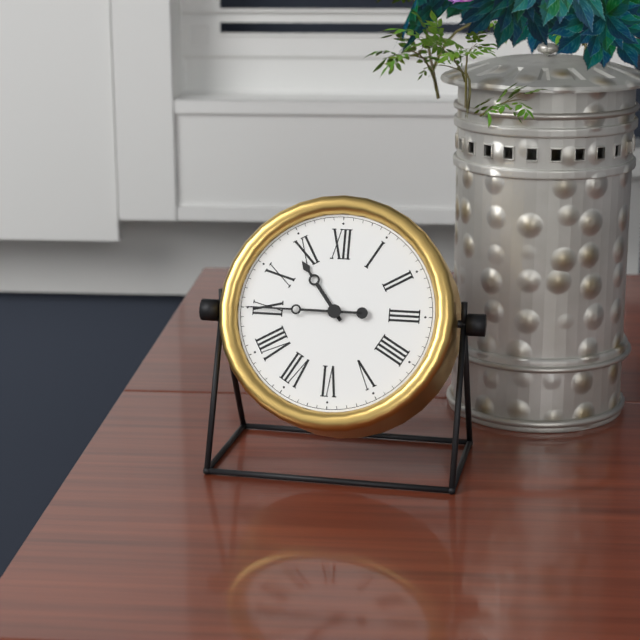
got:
h=10 m=45
